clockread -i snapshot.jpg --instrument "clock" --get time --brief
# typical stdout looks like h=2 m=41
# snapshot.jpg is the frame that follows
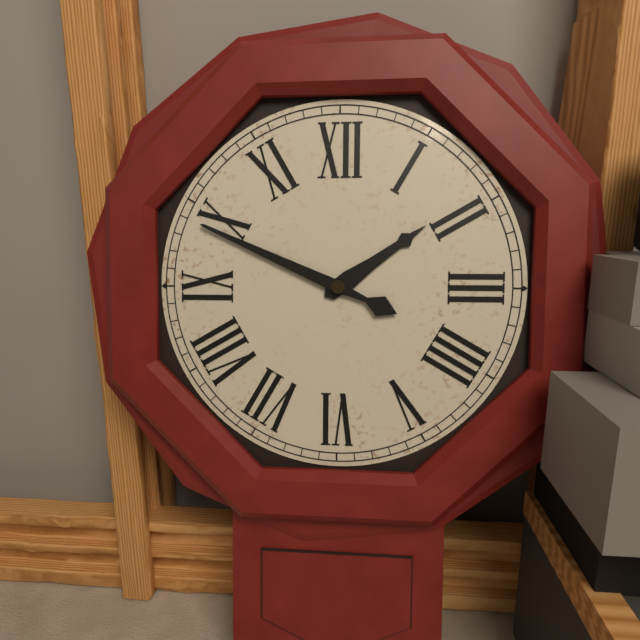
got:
h=1 m=49
